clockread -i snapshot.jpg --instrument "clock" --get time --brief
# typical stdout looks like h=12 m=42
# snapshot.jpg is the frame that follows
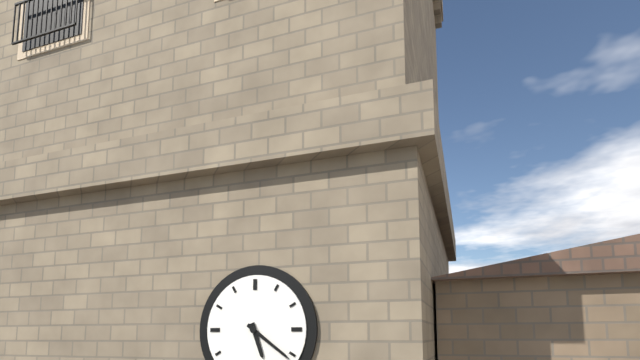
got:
h=5 m=21
